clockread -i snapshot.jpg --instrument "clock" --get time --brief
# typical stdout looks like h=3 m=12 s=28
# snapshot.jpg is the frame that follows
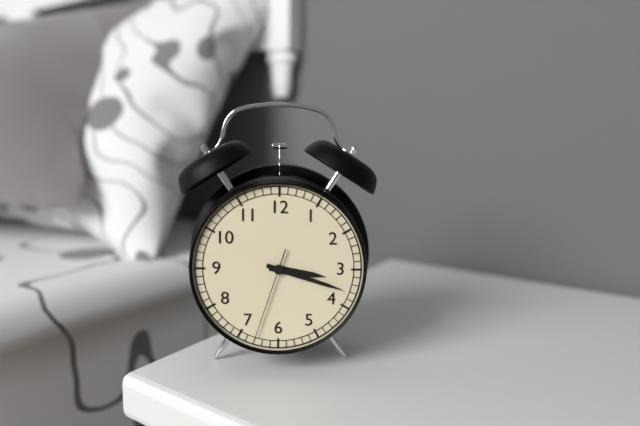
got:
h=3 m=18 s=33
